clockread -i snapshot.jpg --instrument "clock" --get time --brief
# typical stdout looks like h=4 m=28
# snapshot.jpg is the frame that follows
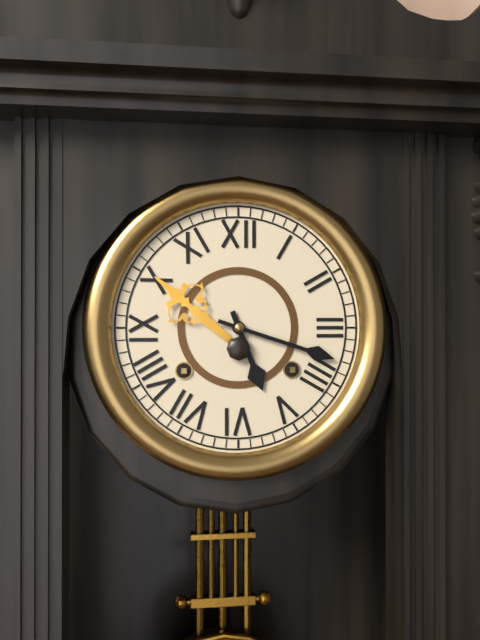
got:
h=5 m=18
